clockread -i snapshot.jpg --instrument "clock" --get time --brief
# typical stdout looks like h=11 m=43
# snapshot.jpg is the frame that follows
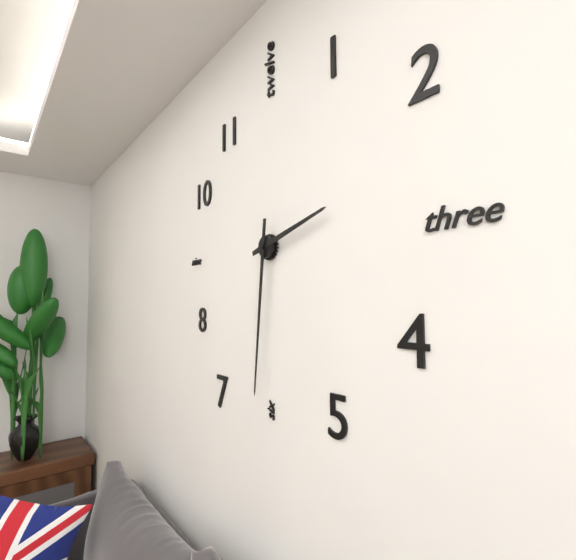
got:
h=2 m=31
